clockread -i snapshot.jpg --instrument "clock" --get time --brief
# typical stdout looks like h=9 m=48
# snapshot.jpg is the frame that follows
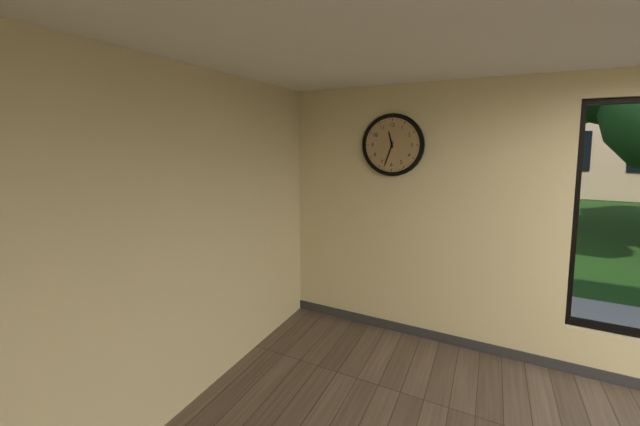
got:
h=11 m=33
